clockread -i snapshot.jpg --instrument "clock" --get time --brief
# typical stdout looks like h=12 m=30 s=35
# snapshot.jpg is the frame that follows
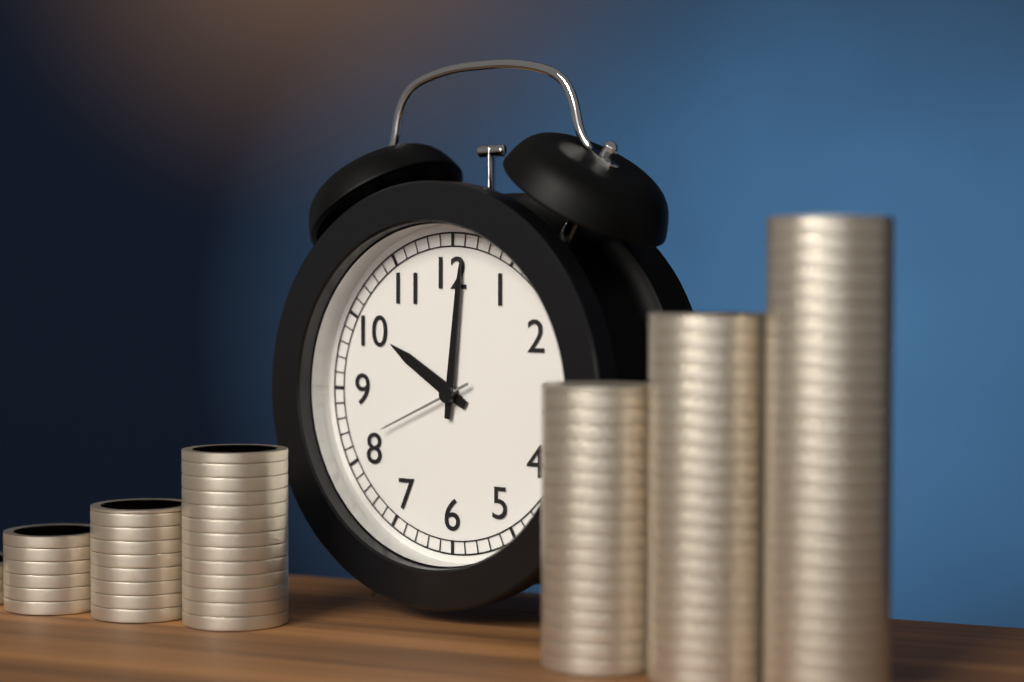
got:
h=10 m=1 s=41
